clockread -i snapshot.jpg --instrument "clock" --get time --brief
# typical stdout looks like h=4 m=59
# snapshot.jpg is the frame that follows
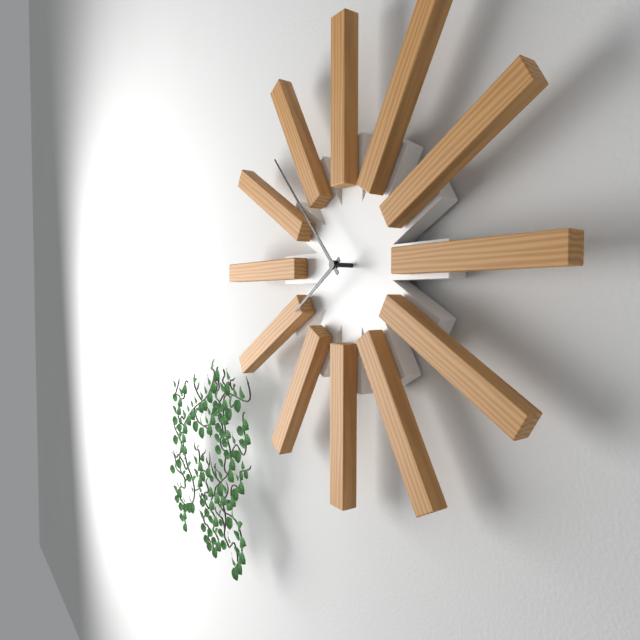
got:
h=7 m=53
